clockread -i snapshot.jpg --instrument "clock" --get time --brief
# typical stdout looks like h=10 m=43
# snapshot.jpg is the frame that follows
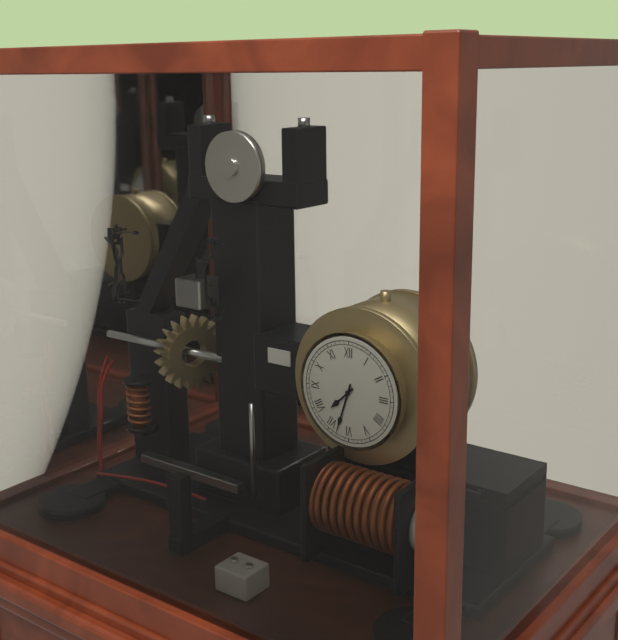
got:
h=7 m=33
